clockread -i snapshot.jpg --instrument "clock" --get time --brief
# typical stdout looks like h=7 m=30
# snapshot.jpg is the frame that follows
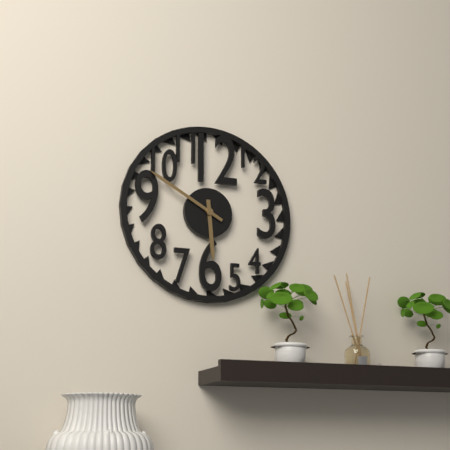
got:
h=5 m=50
